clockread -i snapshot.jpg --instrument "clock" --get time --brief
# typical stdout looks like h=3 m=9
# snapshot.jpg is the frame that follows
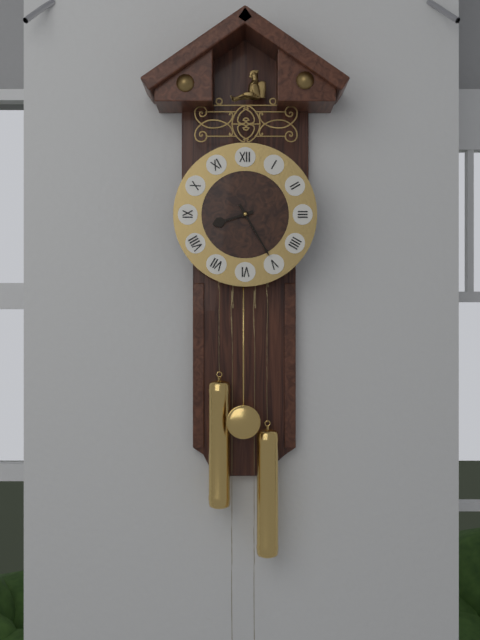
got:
h=8 m=25
